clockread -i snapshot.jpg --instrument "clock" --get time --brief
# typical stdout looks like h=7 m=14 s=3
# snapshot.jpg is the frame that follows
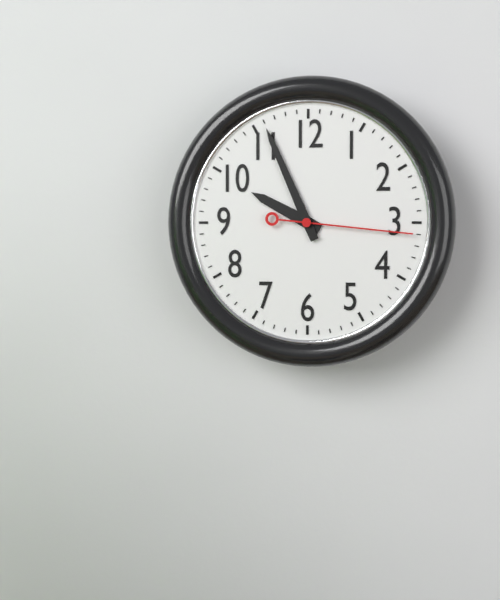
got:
h=9 m=56 s=16
